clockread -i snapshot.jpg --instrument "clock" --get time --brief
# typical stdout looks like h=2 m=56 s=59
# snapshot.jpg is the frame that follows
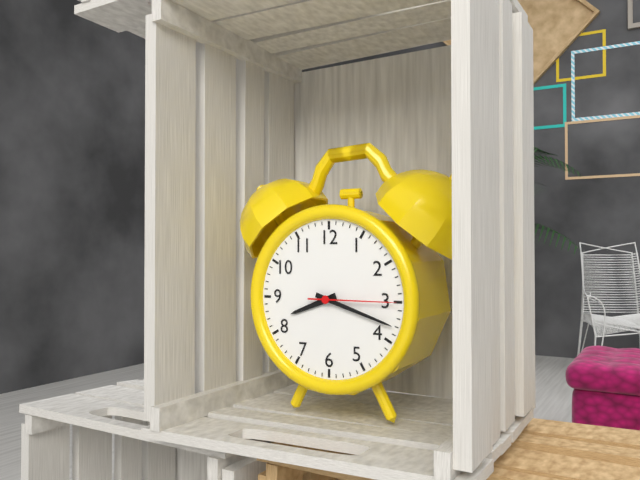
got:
h=8 m=18 s=15
